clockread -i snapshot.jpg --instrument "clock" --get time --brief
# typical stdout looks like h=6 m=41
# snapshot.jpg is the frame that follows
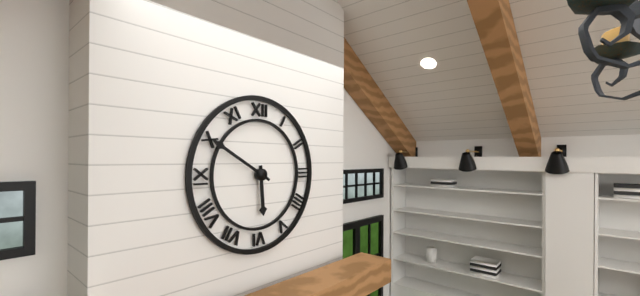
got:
h=5 m=50
